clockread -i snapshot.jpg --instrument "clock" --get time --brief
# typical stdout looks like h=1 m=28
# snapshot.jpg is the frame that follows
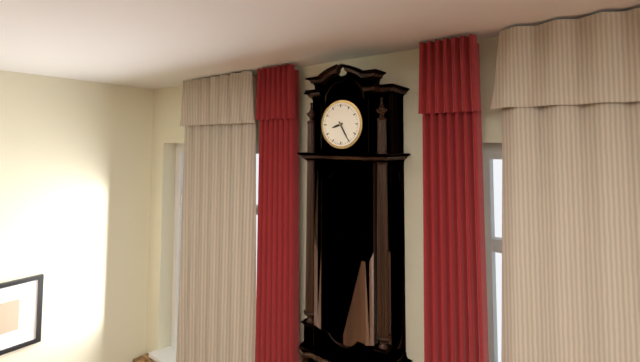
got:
h=8 m=25
